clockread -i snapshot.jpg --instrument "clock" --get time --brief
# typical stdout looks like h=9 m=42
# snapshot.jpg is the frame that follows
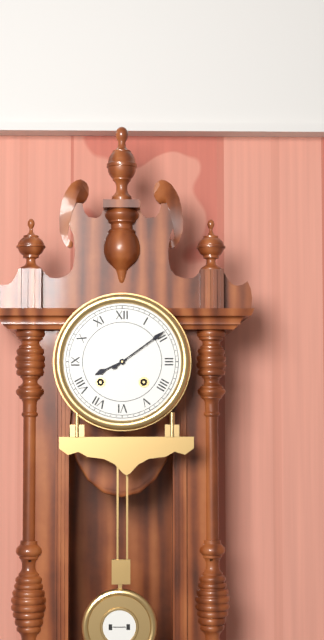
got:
h=8 m=9
